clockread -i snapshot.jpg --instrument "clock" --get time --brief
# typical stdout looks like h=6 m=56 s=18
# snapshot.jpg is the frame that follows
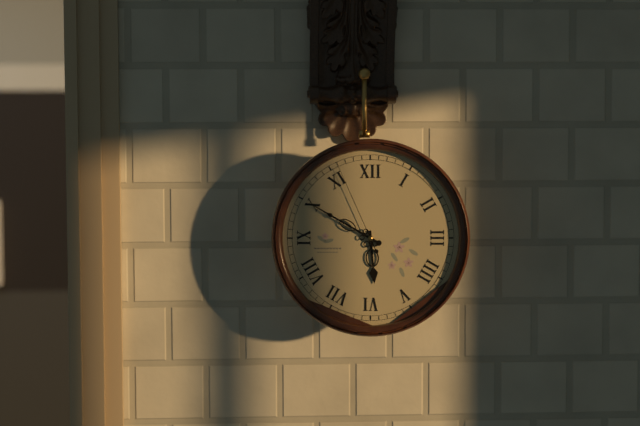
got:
h=5 m=50 s=56
